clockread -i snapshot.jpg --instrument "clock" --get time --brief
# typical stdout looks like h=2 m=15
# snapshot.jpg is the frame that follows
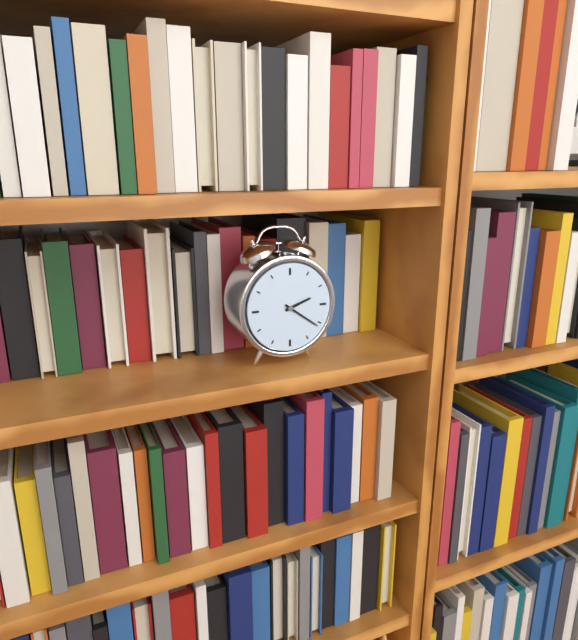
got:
h=2 m=21
